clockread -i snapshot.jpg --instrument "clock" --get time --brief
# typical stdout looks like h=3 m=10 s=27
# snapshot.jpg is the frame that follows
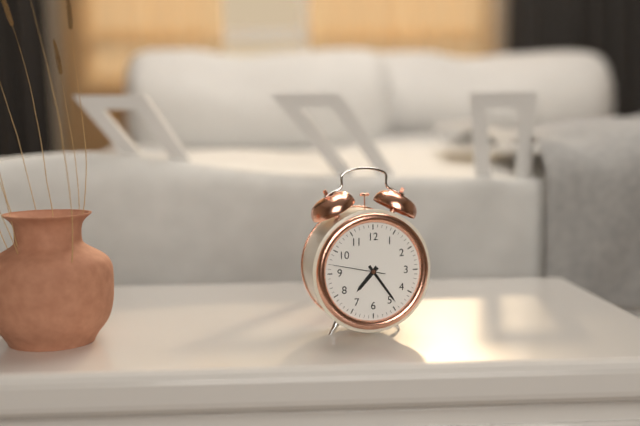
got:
h=7 m=24 s=47
